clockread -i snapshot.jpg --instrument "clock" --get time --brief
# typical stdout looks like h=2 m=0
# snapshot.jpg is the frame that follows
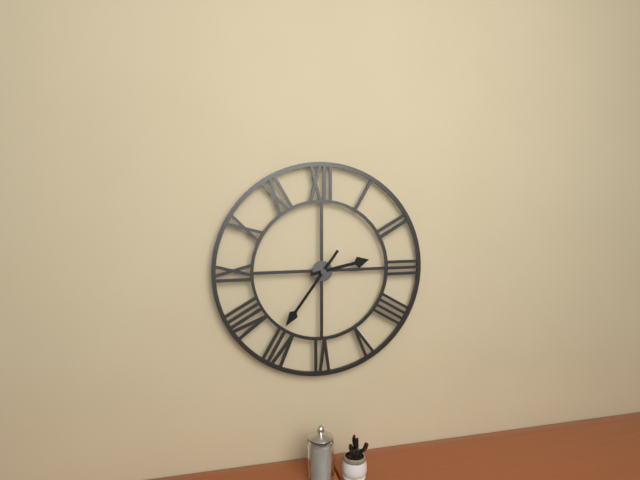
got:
h=2 m=36
